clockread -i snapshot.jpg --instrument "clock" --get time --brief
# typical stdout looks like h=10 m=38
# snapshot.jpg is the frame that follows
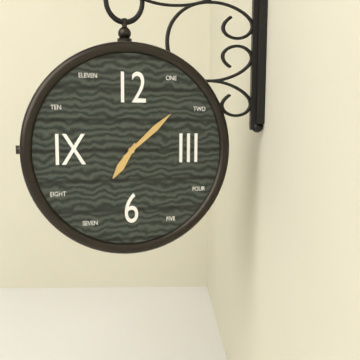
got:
h=7 m=8
